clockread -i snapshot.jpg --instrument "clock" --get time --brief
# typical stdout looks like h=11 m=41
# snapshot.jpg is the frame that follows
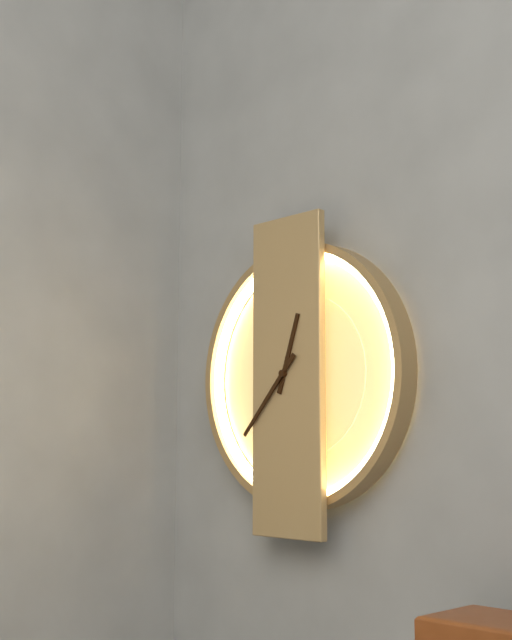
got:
h=12 m=37
